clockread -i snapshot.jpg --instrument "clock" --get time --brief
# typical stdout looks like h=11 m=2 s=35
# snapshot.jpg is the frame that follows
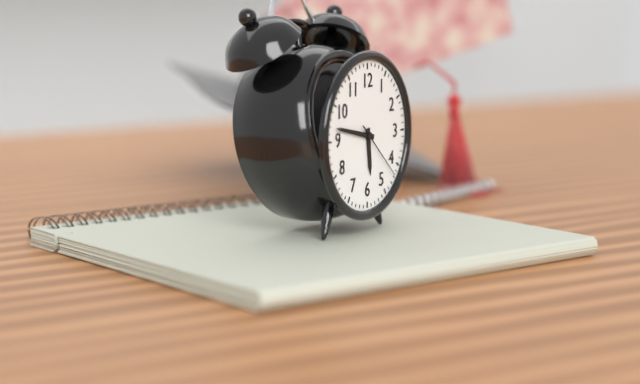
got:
h=5 m=47 s=22
